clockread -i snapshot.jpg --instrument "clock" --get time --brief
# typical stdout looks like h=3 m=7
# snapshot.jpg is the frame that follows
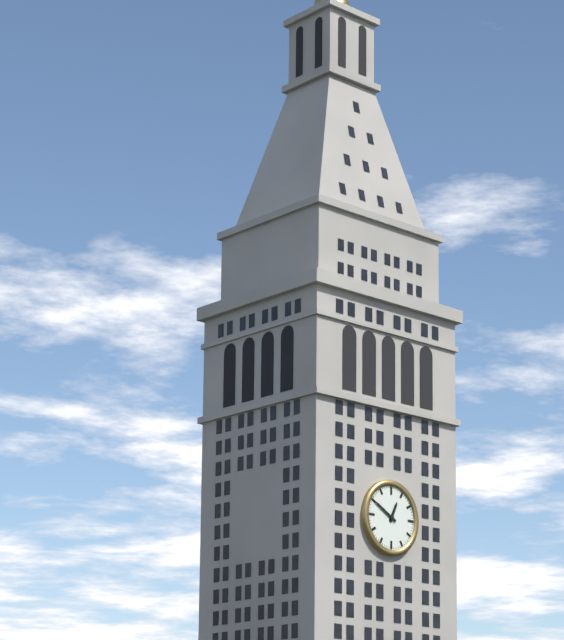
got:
h=12 m=50
